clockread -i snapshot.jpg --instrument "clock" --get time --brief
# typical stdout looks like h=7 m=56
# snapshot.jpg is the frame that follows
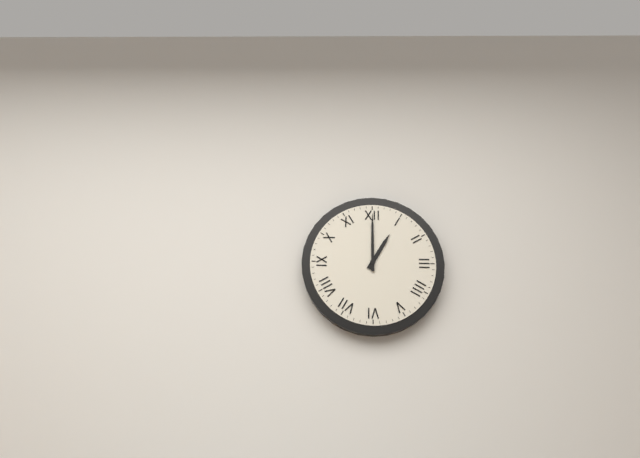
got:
h=1 m=0
